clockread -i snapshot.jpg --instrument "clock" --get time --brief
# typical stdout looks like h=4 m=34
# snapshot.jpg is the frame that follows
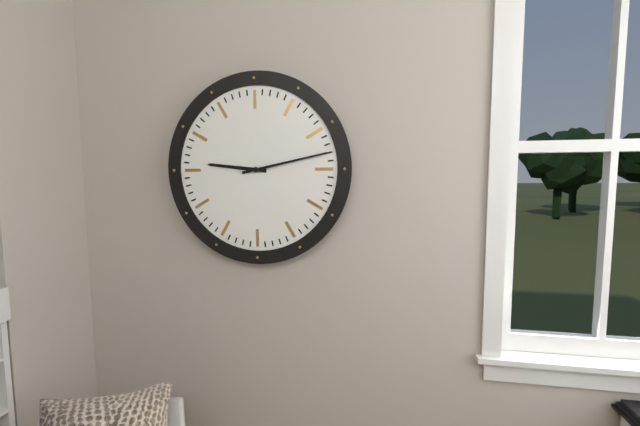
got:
h=9 m=13
